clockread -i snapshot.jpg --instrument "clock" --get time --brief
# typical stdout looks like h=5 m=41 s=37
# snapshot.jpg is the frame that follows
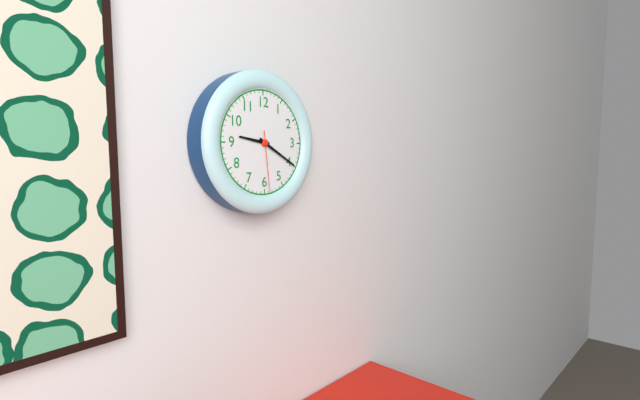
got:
h=9 m=20 s=29
